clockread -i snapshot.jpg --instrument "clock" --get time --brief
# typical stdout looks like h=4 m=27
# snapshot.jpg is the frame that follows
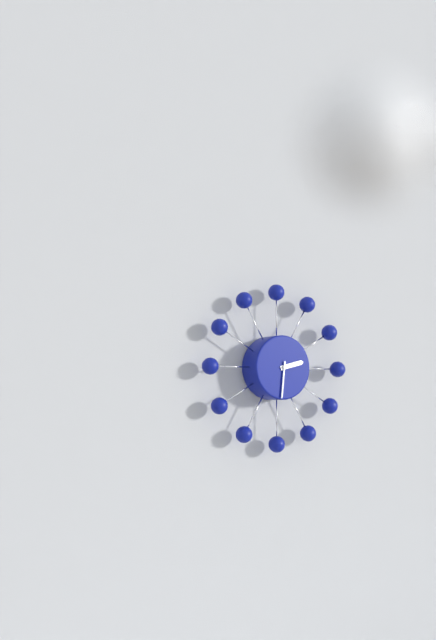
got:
h=2 m=31
